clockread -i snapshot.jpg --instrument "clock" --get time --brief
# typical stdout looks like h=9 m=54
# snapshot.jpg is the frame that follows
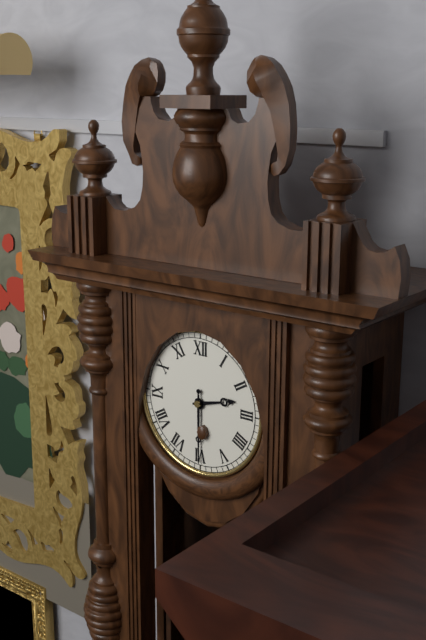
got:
h=2 m=30
